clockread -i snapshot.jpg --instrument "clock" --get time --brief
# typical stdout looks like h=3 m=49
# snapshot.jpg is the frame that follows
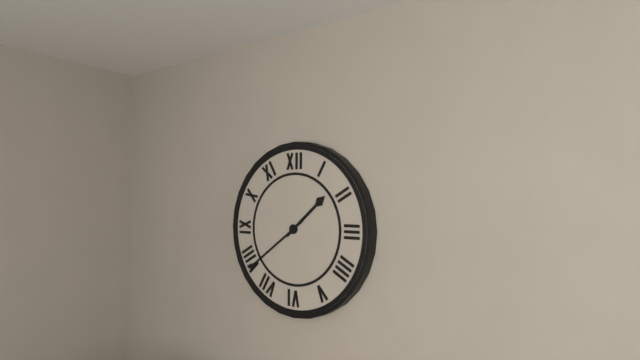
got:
h=1 m=39
